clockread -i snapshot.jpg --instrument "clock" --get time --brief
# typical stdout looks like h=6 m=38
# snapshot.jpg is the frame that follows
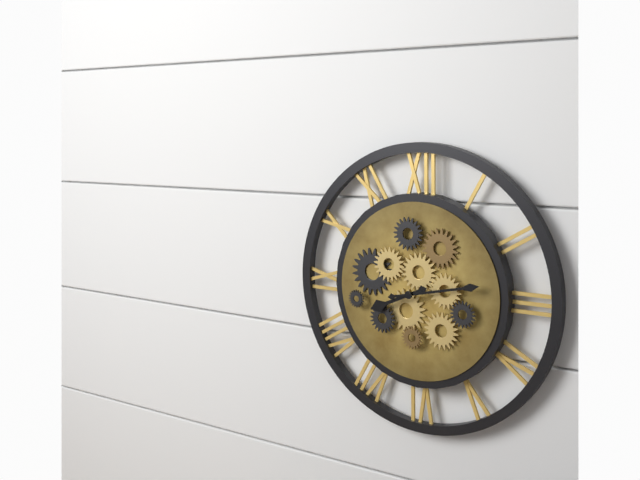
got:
h=8 m=13
